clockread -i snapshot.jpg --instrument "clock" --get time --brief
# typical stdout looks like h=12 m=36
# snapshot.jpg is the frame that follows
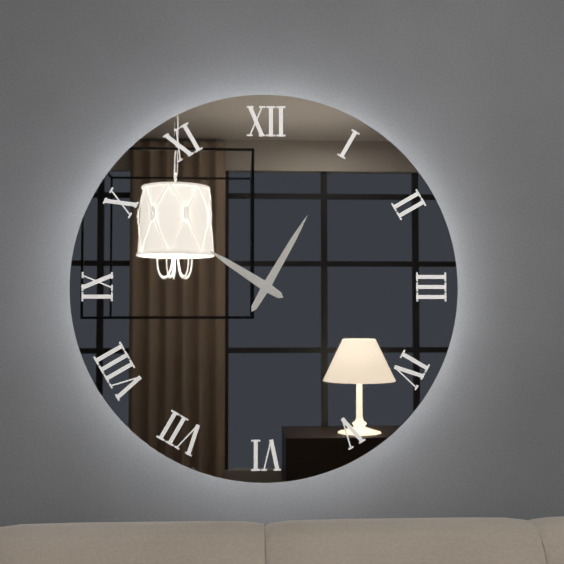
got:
h=10 m=5
